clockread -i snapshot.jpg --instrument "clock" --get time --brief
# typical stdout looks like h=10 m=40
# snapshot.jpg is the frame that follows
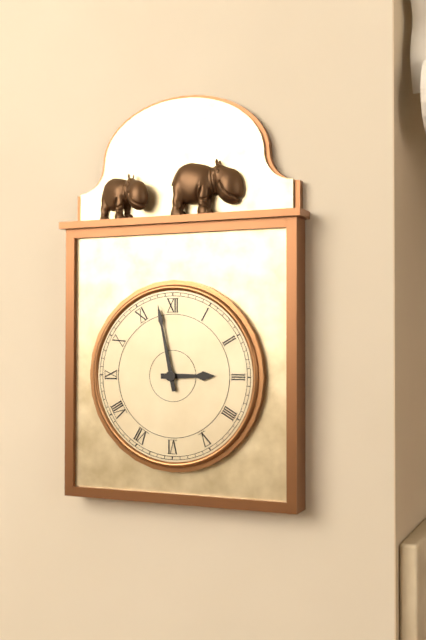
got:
h=2 m=58
